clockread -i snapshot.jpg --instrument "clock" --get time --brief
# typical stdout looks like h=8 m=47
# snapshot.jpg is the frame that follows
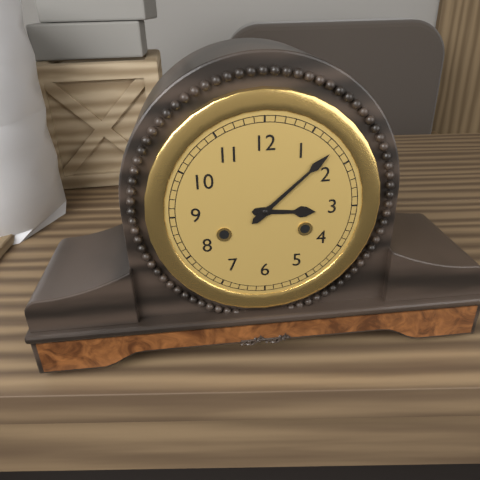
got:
h=3 m=8
